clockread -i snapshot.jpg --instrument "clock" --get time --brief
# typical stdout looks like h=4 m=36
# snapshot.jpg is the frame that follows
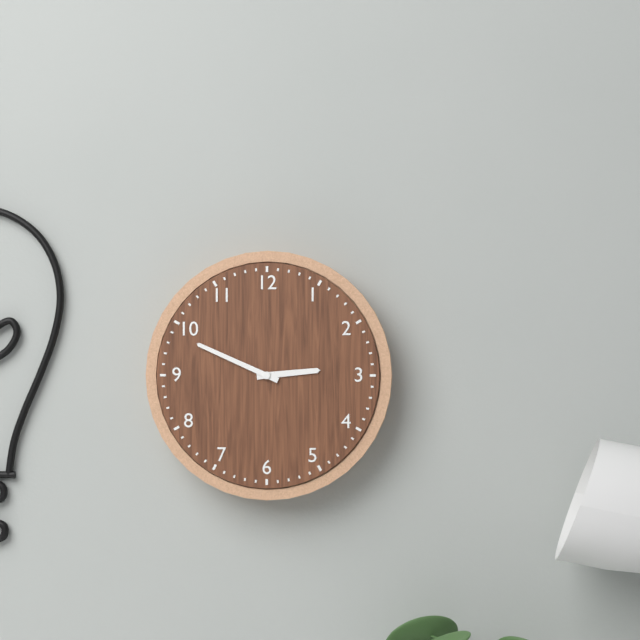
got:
h=2 m=49
